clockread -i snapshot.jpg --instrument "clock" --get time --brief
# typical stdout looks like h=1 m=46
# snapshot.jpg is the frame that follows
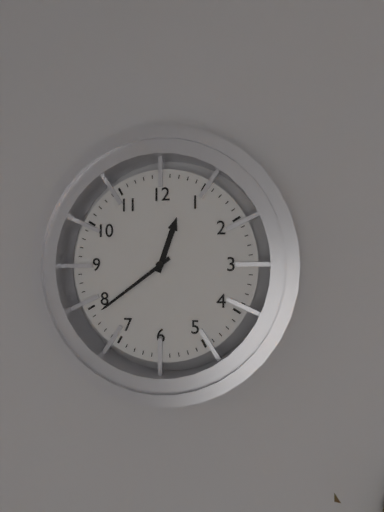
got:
h=12 m=39
